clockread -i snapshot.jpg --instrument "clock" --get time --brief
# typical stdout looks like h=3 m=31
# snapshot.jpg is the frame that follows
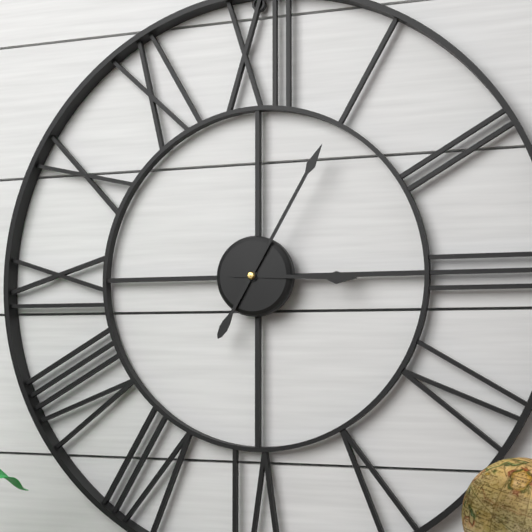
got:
h=3 m=5
